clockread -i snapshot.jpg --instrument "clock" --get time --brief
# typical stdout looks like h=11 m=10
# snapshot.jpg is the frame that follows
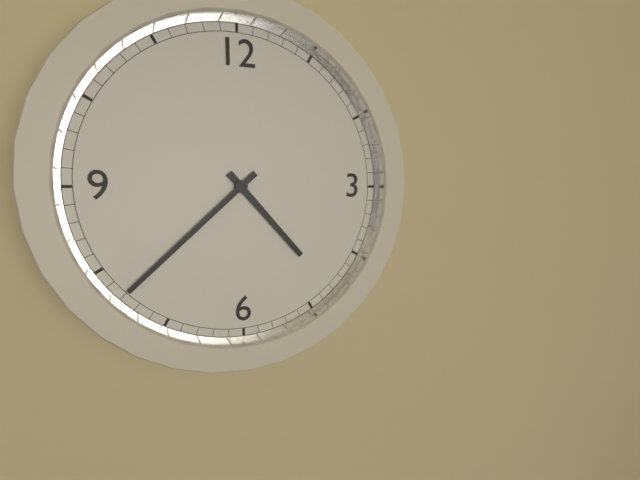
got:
h=4 m=38
